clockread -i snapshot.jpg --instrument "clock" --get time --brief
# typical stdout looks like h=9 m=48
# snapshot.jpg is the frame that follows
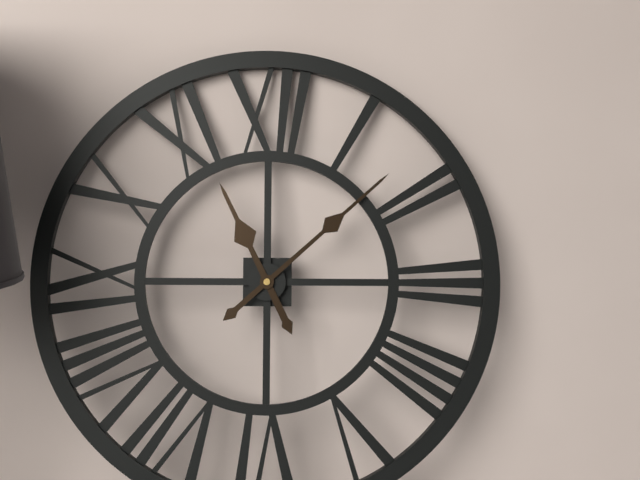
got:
h=11 m=8
